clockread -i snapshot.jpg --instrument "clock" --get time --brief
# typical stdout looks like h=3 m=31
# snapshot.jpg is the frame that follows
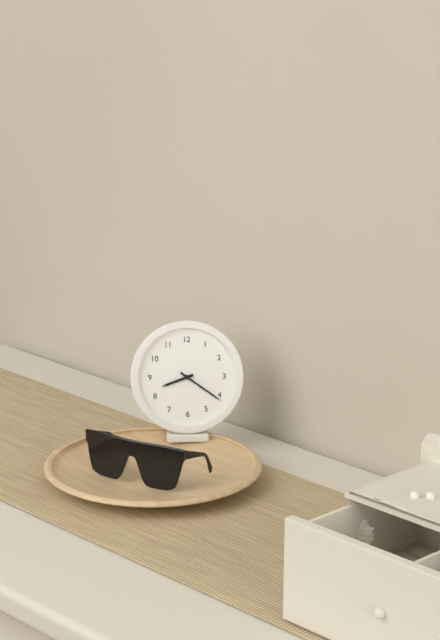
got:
h=8 m=21
